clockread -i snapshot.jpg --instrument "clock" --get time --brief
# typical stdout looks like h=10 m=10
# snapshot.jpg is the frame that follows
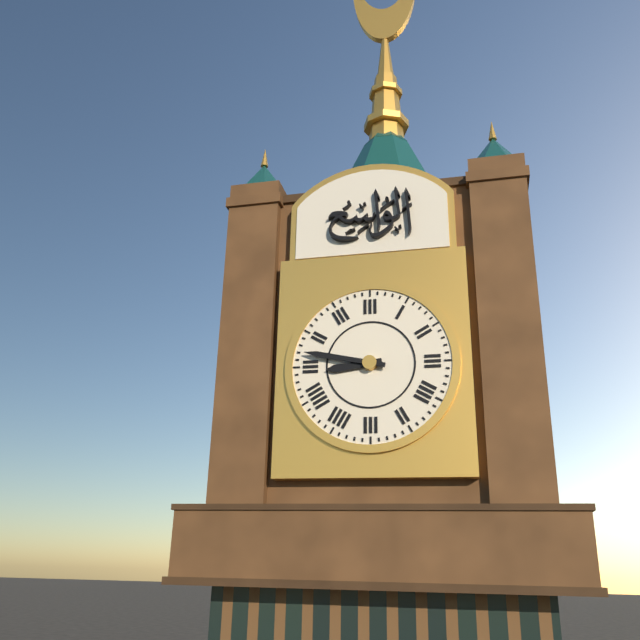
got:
h=8 m=47
